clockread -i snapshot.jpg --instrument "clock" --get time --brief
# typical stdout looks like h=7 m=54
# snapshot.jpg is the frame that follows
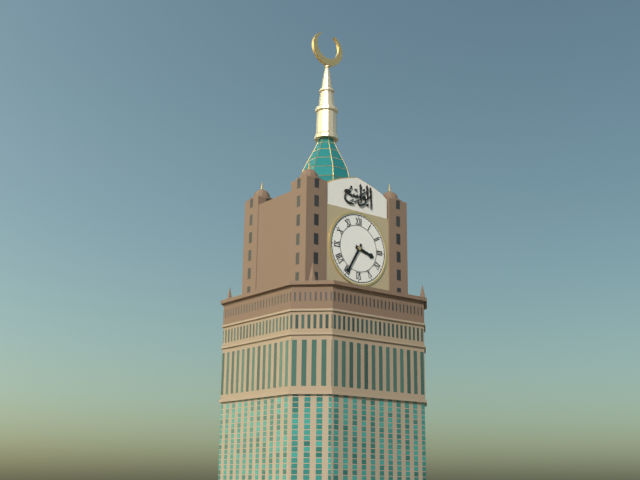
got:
h=3 m=35
